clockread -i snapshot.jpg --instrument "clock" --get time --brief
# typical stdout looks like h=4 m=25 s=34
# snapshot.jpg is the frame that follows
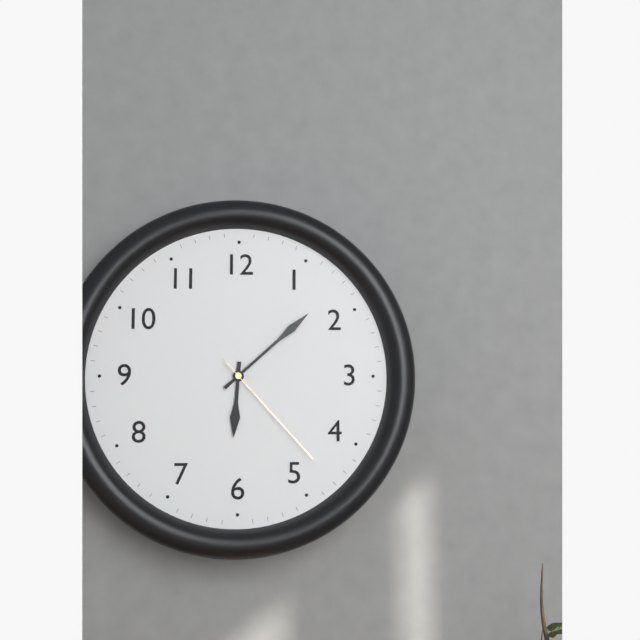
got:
h=6 m=8 s=23
